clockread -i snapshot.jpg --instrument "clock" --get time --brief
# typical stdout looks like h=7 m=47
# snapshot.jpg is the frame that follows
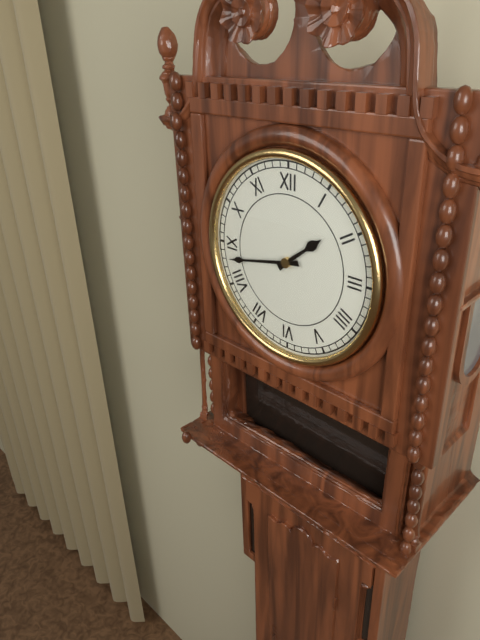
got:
h=1 m=43
